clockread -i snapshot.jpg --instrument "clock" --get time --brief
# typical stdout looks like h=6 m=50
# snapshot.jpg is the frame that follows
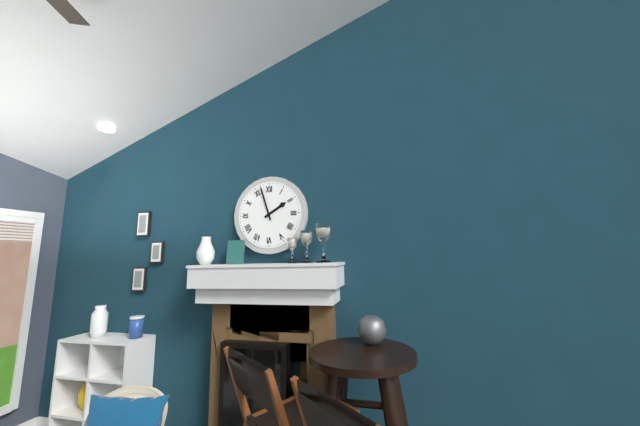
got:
h=1 m=57
